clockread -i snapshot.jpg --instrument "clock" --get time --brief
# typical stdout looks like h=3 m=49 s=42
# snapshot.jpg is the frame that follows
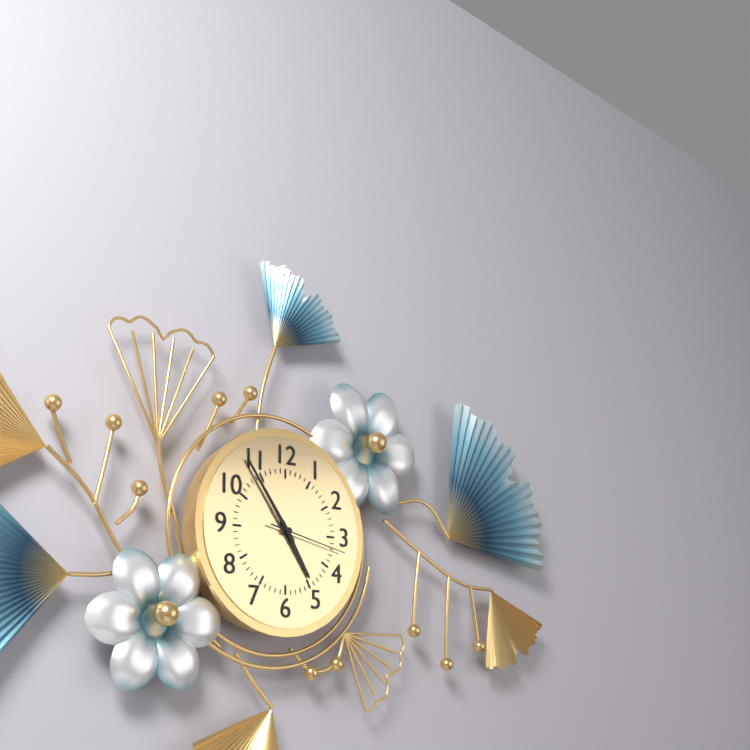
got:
h=4 m=54 s=17
